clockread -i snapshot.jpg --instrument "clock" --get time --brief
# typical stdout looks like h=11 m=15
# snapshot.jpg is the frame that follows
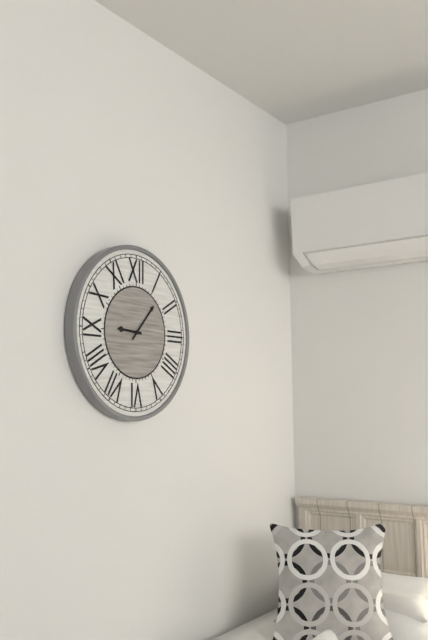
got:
h=9 m=7
